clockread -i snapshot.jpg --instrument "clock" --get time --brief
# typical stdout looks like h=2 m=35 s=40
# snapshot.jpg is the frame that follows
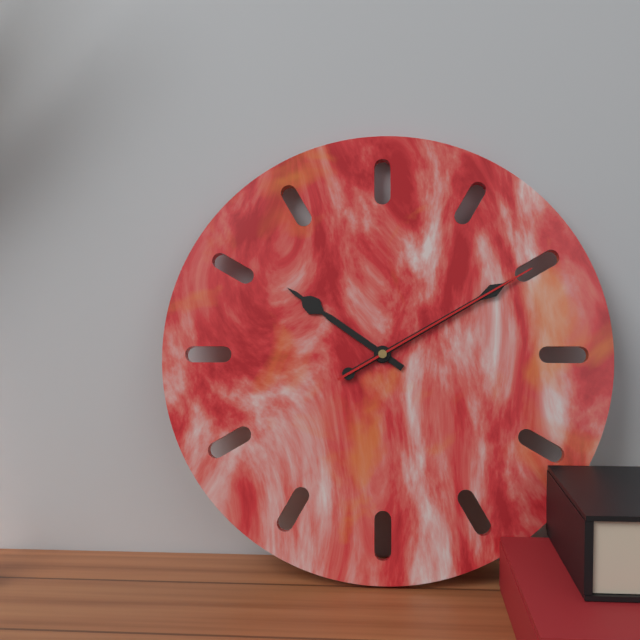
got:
h=10 m=10 s=10
